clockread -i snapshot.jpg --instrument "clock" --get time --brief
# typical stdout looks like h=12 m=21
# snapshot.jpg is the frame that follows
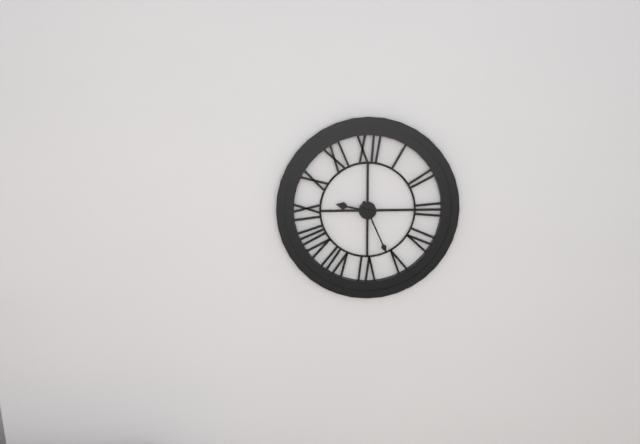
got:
h=9 m=26
